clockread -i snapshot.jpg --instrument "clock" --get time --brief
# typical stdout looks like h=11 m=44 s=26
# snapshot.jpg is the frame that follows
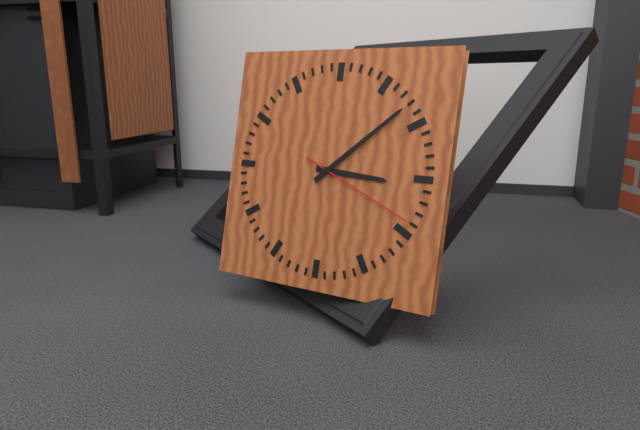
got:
h=3 m=8 s=19
